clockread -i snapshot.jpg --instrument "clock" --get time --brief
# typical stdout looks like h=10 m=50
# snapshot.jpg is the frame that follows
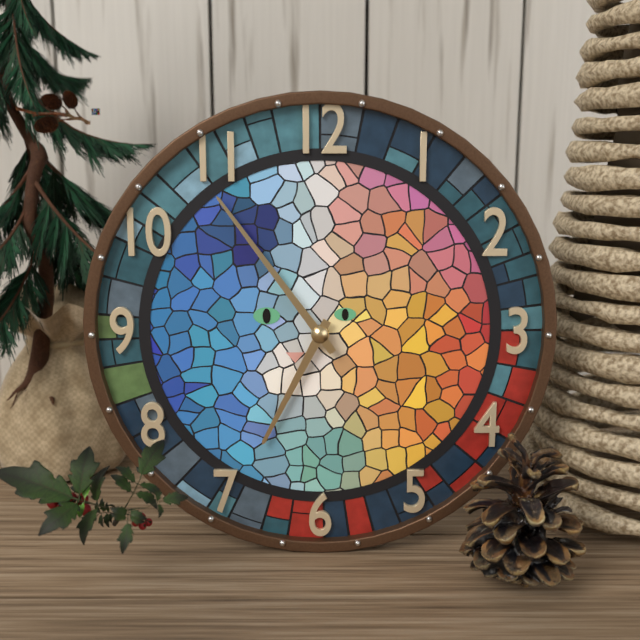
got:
h=6 m=54
